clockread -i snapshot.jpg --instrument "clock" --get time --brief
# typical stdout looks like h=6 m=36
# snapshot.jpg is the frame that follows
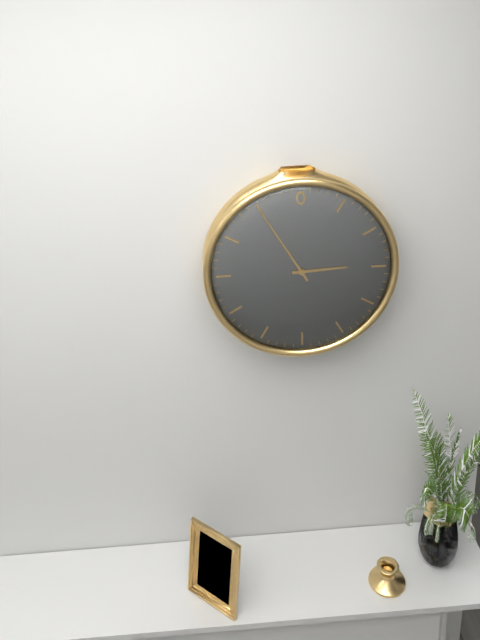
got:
h=2 m=55
